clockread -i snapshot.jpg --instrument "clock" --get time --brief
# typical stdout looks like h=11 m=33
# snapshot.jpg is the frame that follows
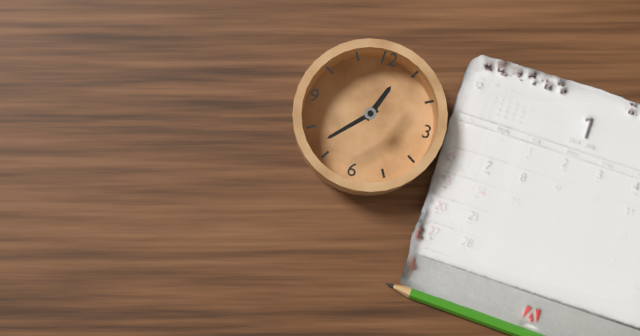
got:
h=12 m=37
